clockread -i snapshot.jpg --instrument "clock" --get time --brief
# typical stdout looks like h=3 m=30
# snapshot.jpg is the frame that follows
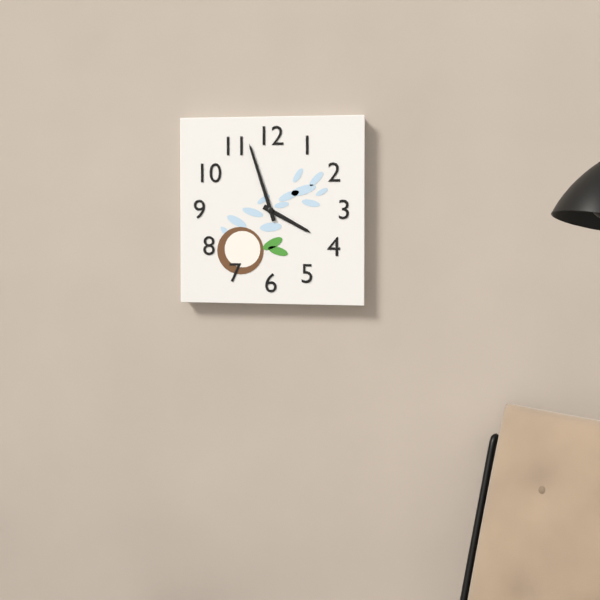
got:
h=3 m=57
